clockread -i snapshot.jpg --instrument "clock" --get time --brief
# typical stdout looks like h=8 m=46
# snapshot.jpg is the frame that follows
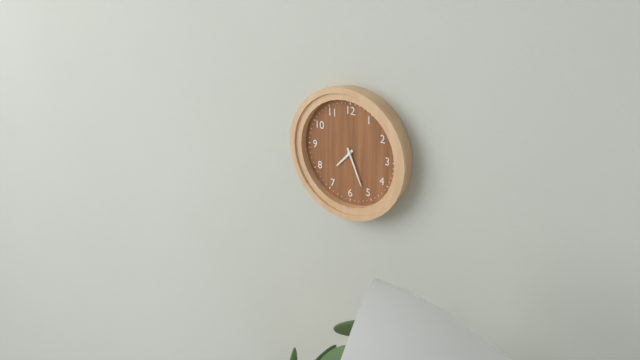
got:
h=7 m=26
